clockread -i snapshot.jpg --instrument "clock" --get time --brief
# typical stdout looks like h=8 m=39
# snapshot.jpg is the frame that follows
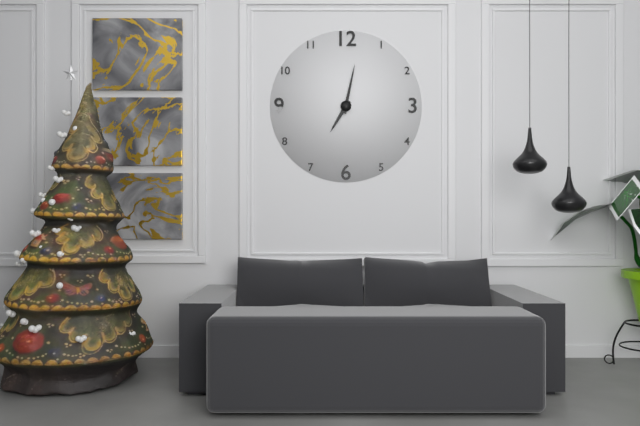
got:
h=7 m=2
